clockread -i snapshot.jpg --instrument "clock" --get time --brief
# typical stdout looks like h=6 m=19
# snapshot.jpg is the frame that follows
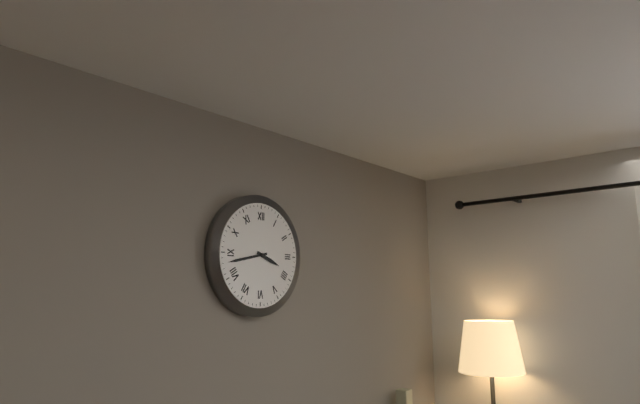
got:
h=3 m=43
